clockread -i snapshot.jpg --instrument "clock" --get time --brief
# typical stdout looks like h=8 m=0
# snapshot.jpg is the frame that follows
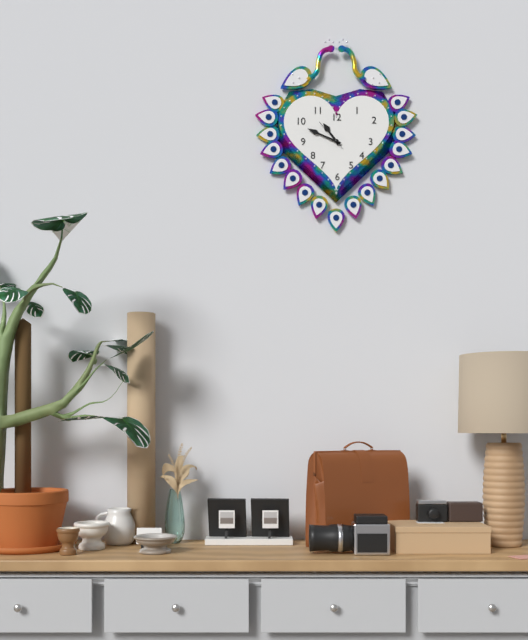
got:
h=10 m=49
